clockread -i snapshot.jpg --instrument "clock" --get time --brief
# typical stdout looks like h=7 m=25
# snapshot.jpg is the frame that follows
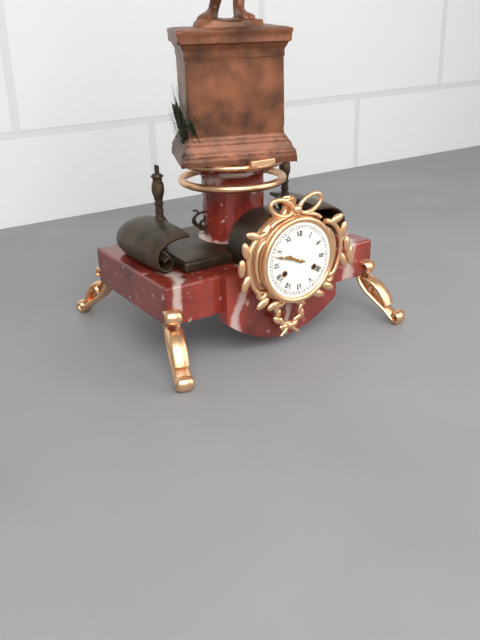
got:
h=9 m=48
